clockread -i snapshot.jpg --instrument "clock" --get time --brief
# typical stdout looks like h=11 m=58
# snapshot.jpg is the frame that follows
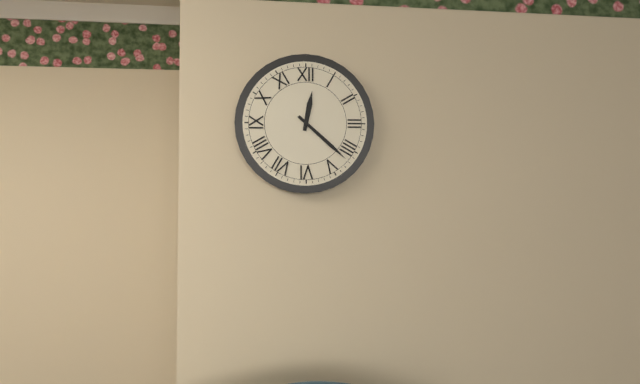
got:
h=12 m=22
